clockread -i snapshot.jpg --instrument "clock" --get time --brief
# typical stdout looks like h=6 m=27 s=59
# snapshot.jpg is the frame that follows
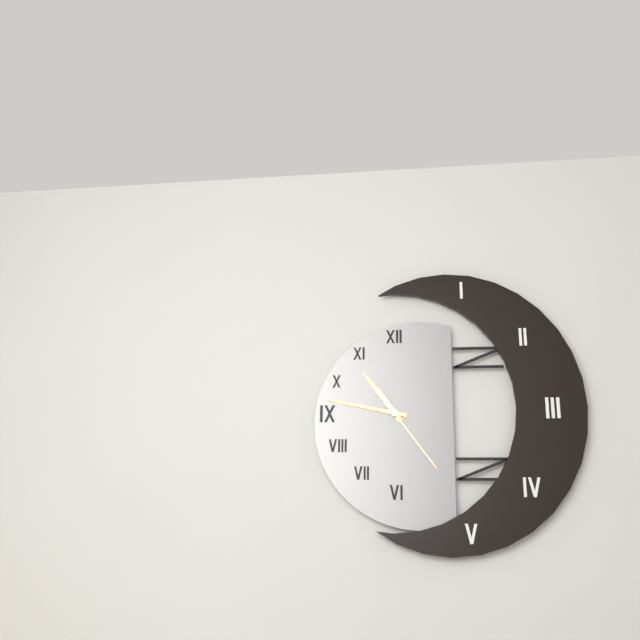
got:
h=10 m=47 s=24
